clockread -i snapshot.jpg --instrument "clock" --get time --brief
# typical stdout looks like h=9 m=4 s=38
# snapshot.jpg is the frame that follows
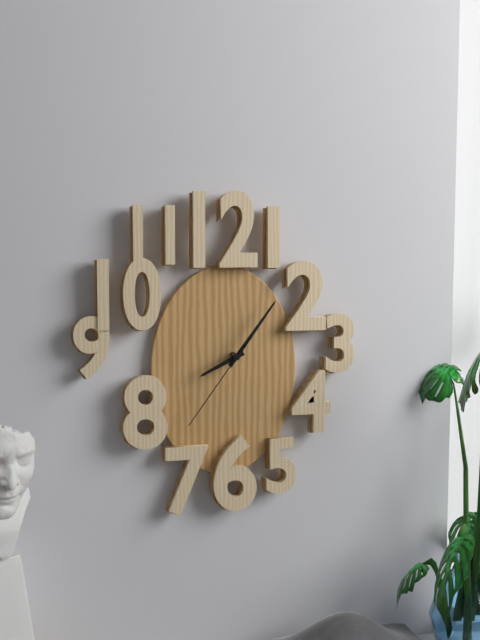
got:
h=8 m=6 s=36
